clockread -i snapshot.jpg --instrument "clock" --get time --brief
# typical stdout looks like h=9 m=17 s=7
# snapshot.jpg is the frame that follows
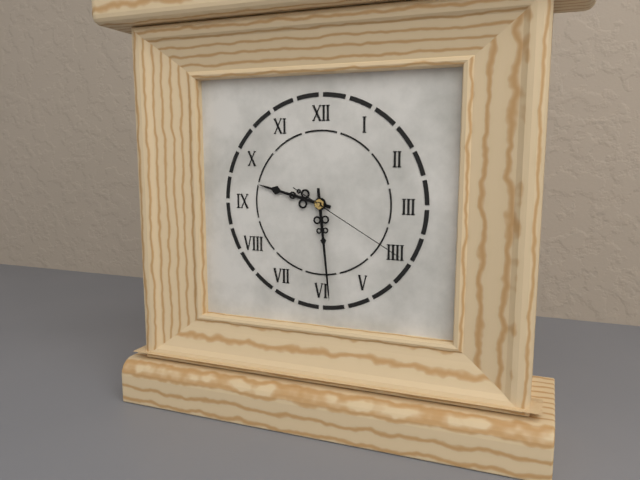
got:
h=9 m=29 s=20
